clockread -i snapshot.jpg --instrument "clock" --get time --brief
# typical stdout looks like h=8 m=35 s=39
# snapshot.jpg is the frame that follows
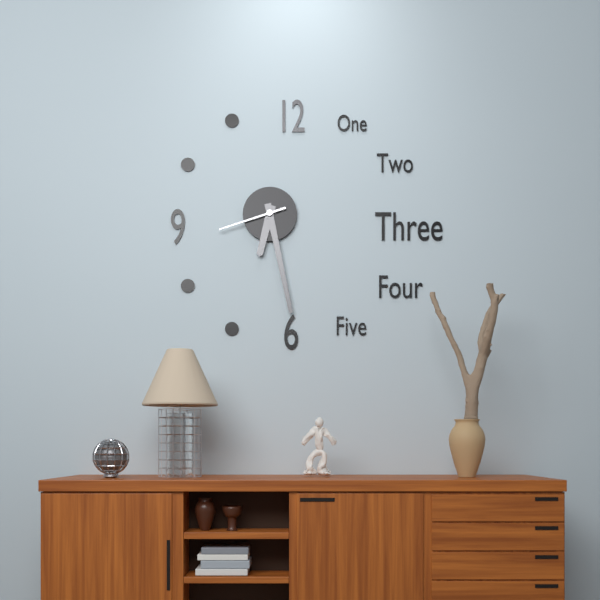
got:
h=6 m=28 s=42
